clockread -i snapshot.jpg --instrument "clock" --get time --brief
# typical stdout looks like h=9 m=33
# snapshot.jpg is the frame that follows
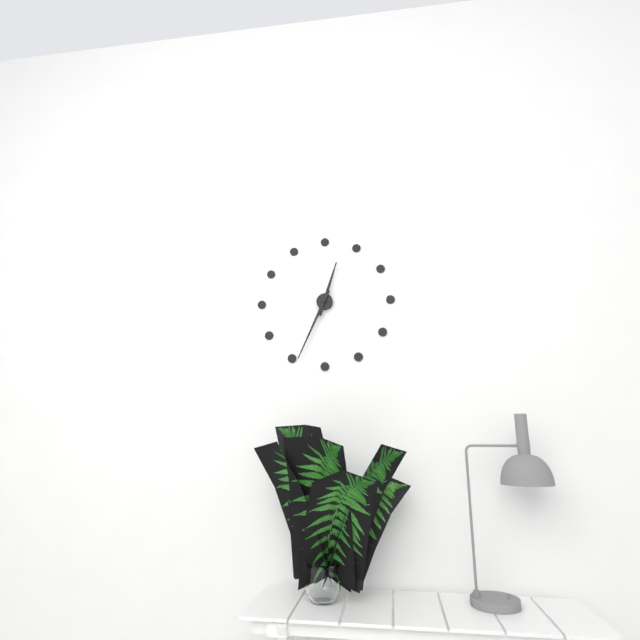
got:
h=12 m=34
